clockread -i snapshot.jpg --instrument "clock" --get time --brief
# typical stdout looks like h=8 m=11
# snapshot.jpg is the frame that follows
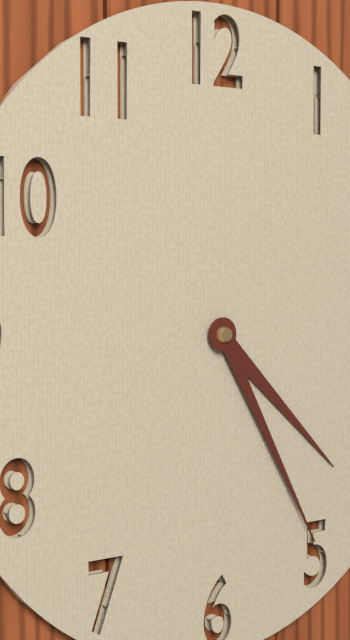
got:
h=4 m=25
